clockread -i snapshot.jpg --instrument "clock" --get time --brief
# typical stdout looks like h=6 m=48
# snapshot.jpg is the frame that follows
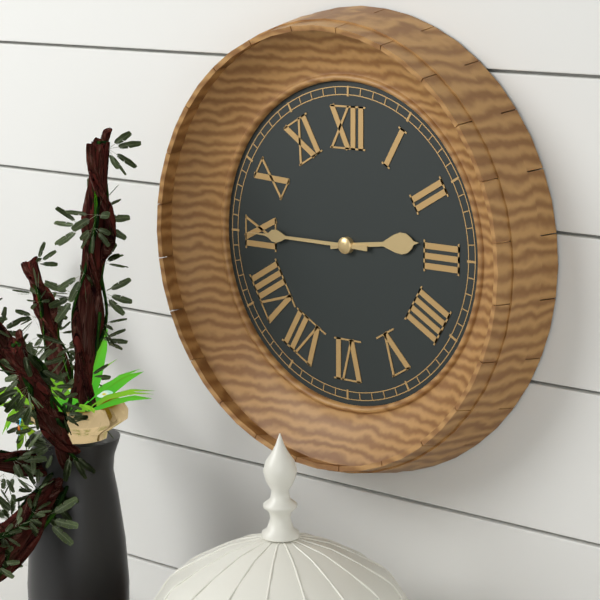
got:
h=2 m=45
